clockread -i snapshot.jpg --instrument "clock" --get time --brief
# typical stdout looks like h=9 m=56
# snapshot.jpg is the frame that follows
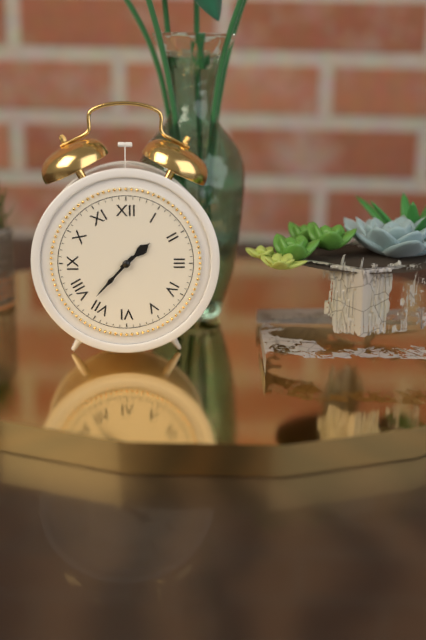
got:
h=1 m=37
